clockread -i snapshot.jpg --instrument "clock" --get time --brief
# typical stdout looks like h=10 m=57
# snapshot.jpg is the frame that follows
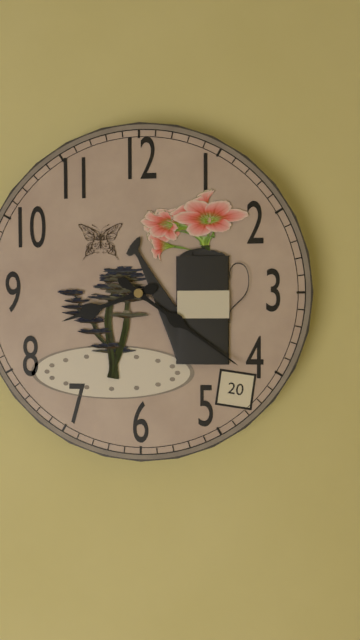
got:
h=8 m=21
